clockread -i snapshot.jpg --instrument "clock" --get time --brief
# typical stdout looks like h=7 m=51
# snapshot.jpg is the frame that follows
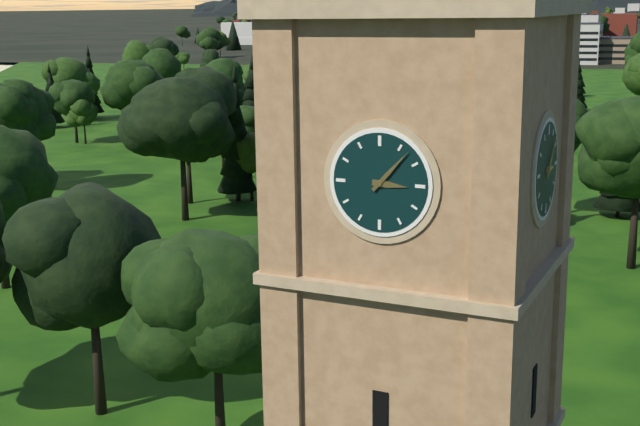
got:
h=3 m=7
